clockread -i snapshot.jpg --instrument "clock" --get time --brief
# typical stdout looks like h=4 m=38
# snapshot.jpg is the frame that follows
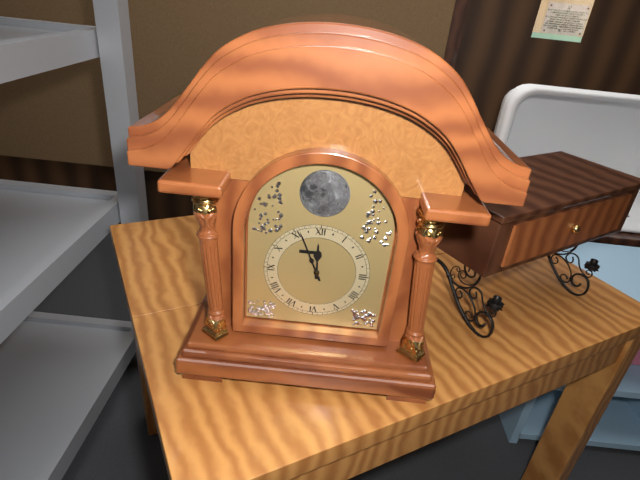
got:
h=11 m=56
